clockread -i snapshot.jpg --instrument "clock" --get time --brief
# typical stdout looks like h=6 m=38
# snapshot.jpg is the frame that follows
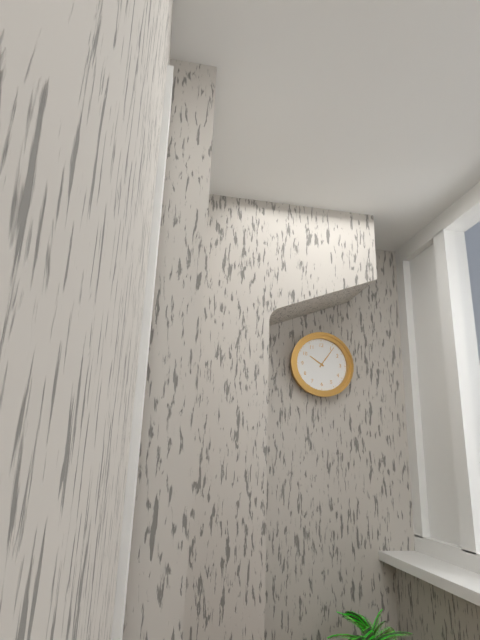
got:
h=10 m=6
